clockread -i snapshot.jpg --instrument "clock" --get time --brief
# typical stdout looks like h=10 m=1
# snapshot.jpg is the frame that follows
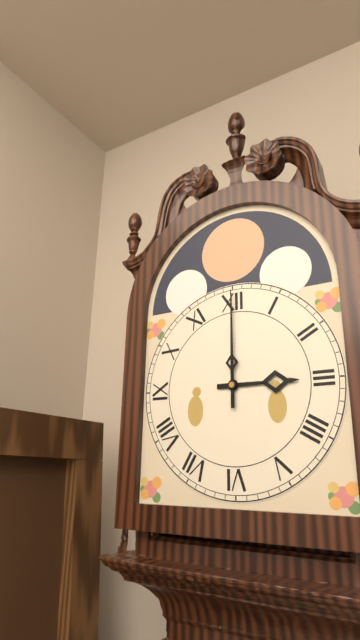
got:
h=3 m=0
